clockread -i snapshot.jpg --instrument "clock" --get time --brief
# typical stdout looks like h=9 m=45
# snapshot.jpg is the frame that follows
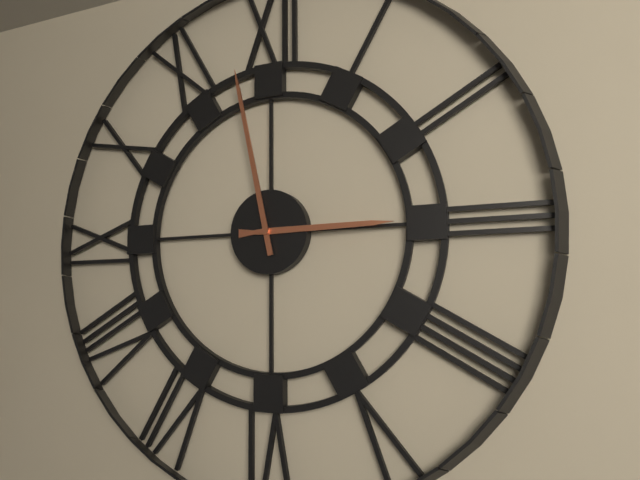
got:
h=2 m=58
